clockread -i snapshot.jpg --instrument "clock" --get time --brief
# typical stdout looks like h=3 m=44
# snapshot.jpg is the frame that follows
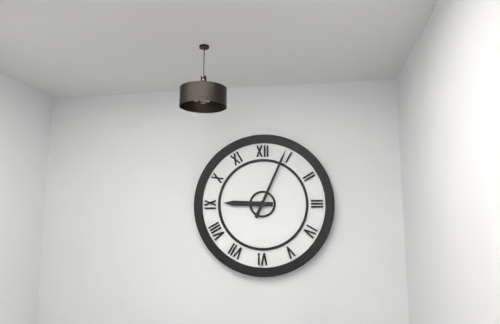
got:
h=9 m=4
